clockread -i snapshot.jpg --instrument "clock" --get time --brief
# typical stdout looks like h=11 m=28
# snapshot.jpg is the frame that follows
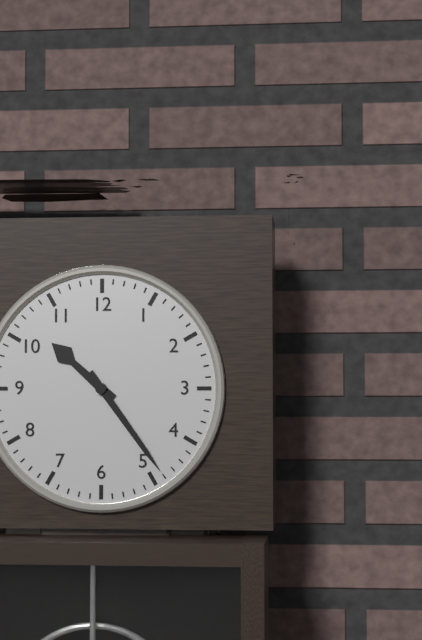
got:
h=10 m=24
